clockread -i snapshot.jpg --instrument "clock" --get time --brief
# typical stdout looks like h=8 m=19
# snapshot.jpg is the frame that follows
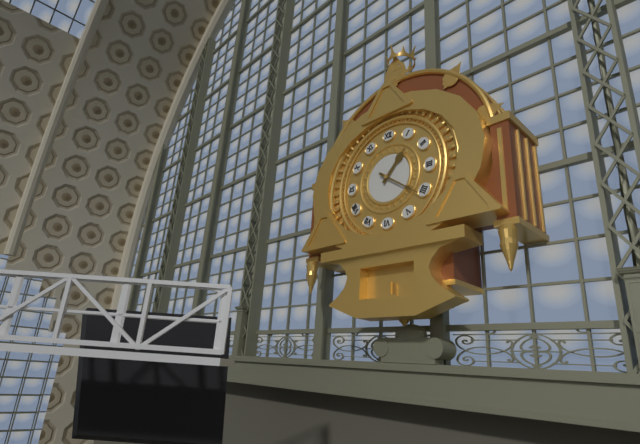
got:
h=1 m=21
